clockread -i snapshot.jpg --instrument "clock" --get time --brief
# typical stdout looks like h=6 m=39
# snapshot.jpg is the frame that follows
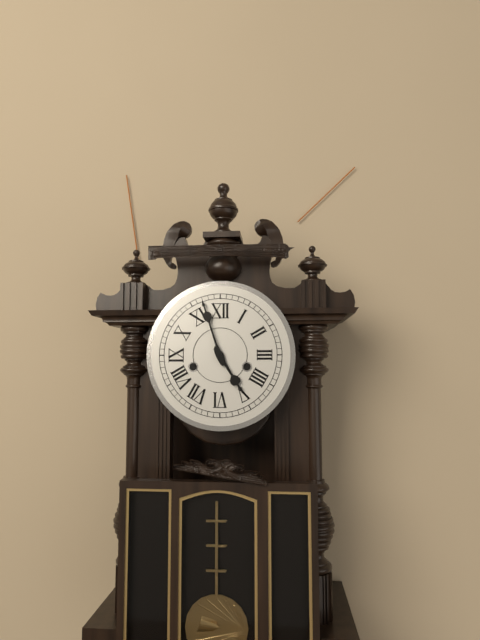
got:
h=4 m=57
